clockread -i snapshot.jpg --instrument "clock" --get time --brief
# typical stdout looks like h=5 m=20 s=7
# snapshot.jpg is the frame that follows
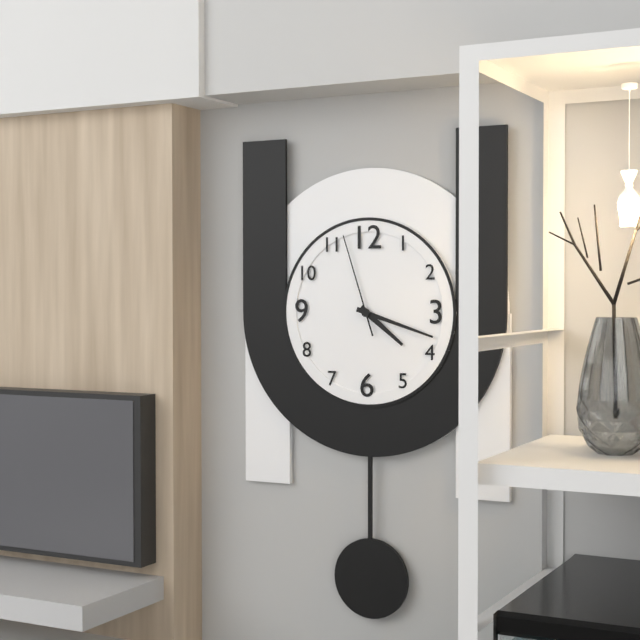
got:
h=4 m=18 s=57
